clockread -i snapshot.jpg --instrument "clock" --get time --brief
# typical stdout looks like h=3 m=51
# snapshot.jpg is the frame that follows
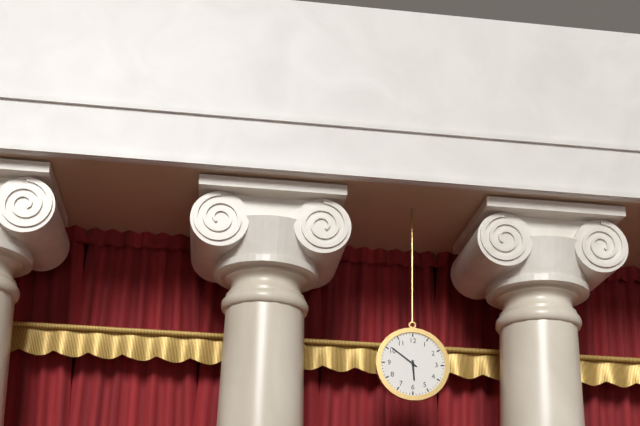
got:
h=5 m=51
